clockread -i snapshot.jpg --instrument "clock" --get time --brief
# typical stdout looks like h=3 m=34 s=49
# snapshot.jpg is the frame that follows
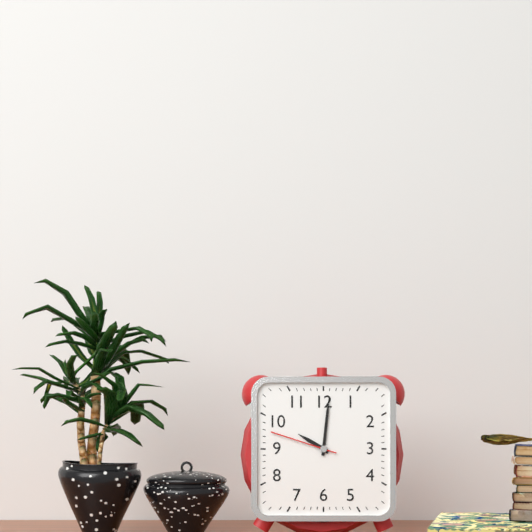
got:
h=10 m=1 s=48
